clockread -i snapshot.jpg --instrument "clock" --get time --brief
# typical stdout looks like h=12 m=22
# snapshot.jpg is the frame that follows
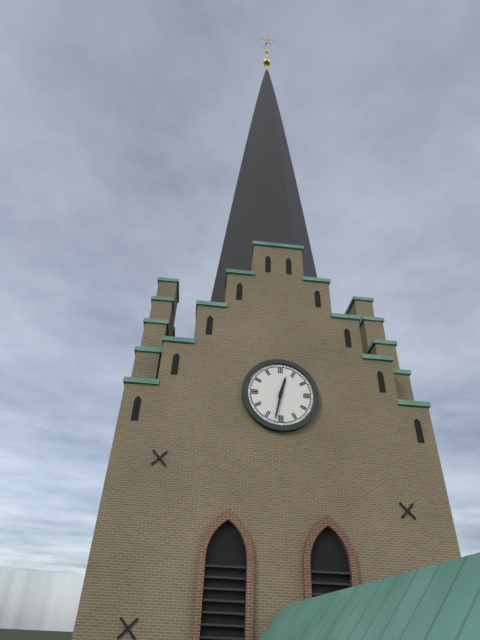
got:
h=12 m=32
